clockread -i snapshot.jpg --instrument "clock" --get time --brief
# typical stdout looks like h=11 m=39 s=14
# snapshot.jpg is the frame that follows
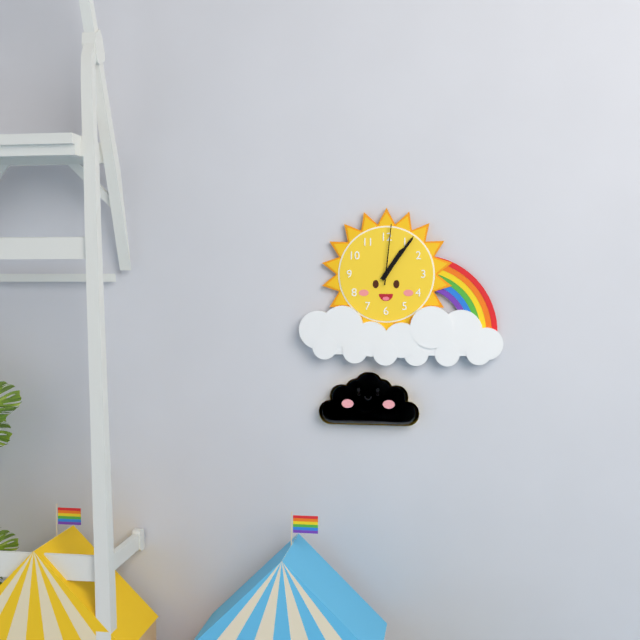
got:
h=1 m=6 s=1
